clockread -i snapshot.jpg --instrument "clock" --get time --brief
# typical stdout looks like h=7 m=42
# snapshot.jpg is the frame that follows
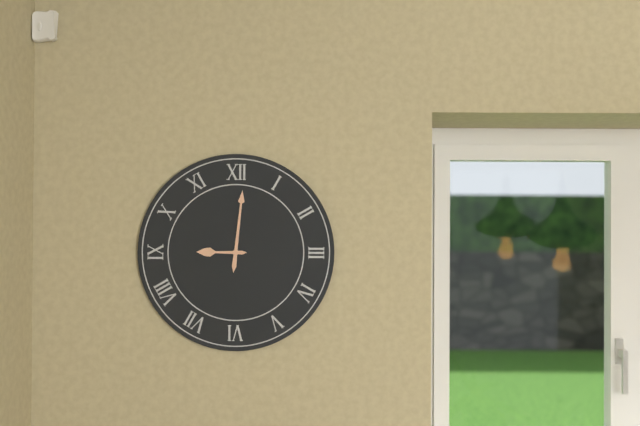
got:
h=9 m=1
